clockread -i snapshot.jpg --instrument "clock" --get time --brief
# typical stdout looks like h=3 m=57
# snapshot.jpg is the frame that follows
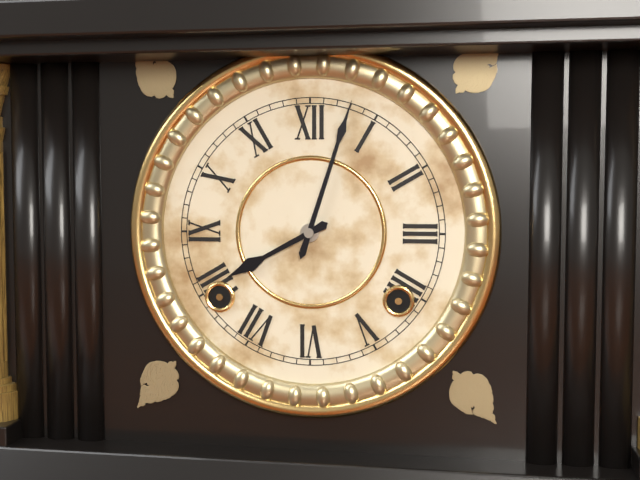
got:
h=8 m=3
